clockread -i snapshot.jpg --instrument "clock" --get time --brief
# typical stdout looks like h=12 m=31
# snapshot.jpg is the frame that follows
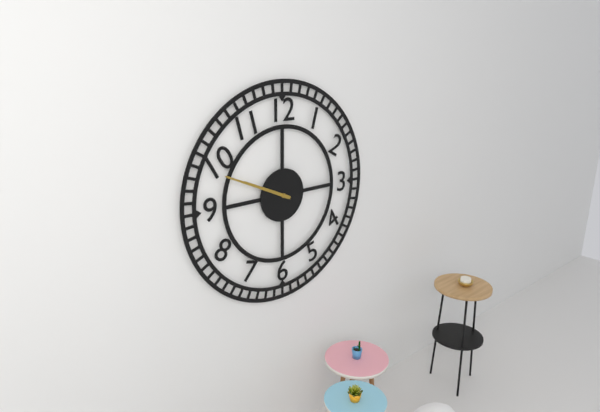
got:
h=9 m=49
